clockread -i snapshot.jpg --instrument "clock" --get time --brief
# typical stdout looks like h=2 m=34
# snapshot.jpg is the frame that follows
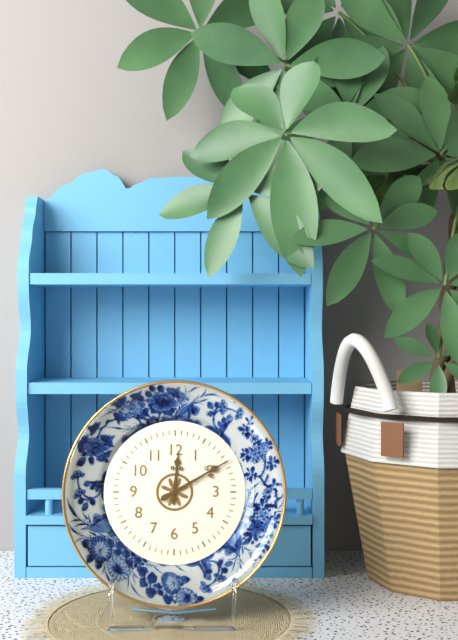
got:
h=12 m=10
